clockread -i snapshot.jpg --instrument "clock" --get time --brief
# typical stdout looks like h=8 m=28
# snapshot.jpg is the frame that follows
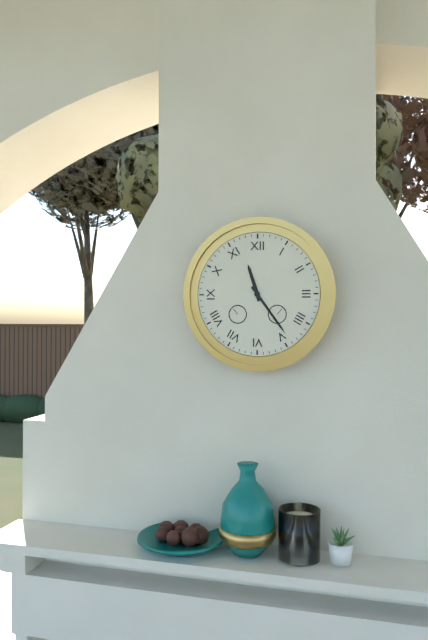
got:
h=11 m=24
